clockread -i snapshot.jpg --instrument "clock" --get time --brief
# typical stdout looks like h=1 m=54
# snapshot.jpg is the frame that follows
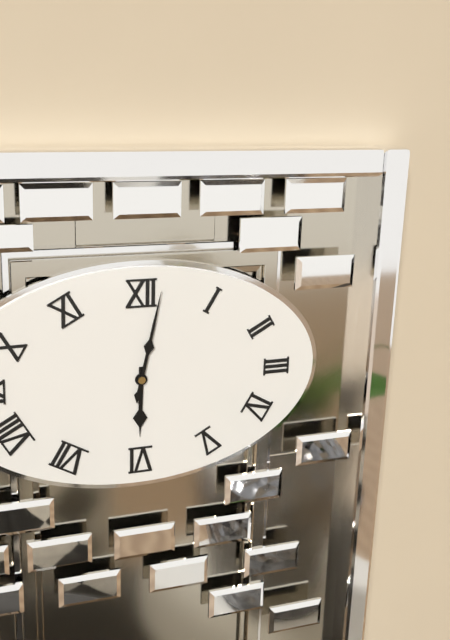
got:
h=6 m=2
